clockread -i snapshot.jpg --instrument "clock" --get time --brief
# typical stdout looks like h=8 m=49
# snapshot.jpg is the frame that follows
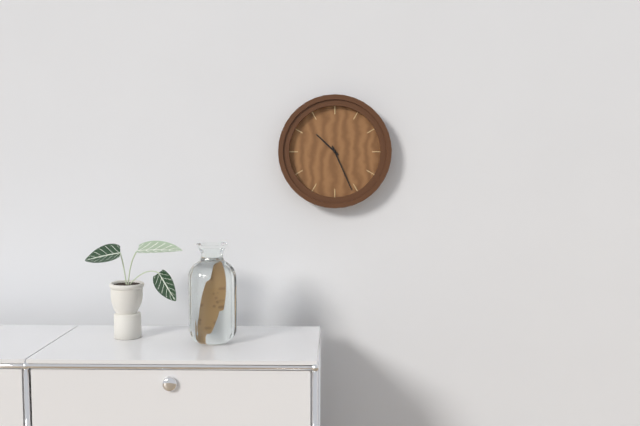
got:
h=10 m=26
